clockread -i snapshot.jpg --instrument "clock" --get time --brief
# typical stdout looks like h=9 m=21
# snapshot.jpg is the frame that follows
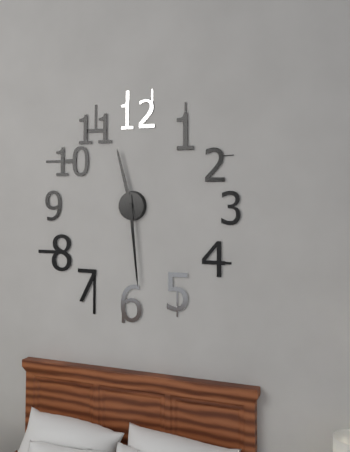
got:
h=11 m=29
